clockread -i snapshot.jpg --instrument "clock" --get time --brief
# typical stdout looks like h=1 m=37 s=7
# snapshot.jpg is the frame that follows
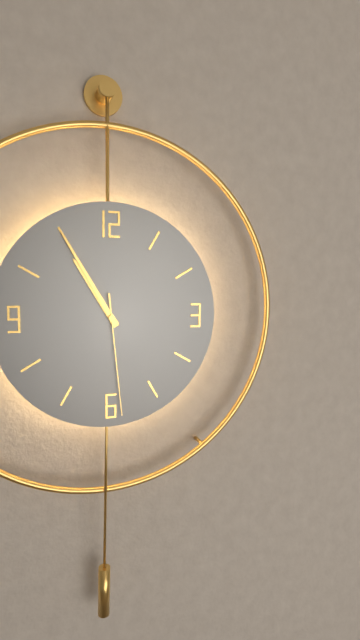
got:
h=10 m=55 s=29
